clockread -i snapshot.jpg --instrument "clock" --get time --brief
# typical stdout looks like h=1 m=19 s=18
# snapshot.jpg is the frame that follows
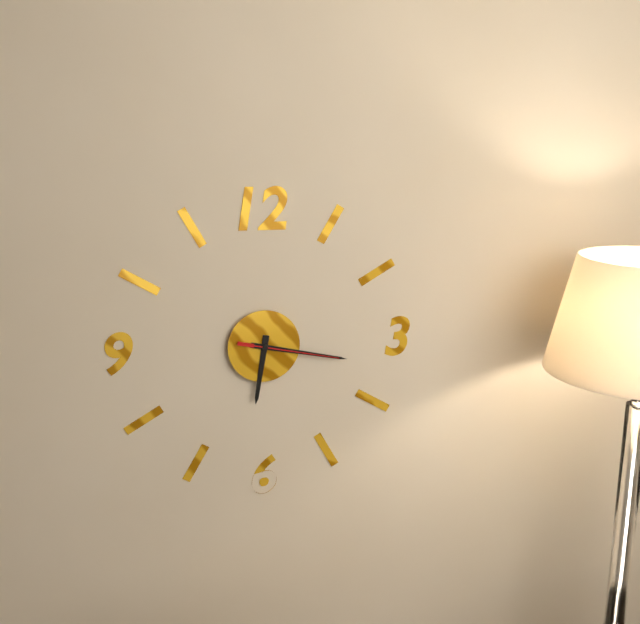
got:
h=6 m=17 s=17
